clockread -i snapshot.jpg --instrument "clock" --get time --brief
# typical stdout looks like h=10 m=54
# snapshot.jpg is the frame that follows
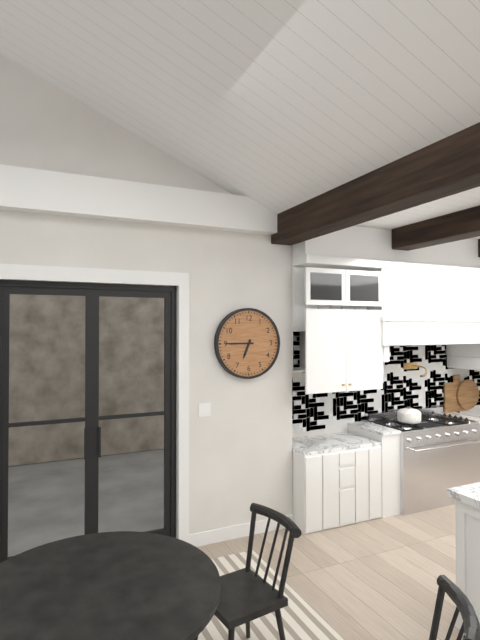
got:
h=6 m=45
